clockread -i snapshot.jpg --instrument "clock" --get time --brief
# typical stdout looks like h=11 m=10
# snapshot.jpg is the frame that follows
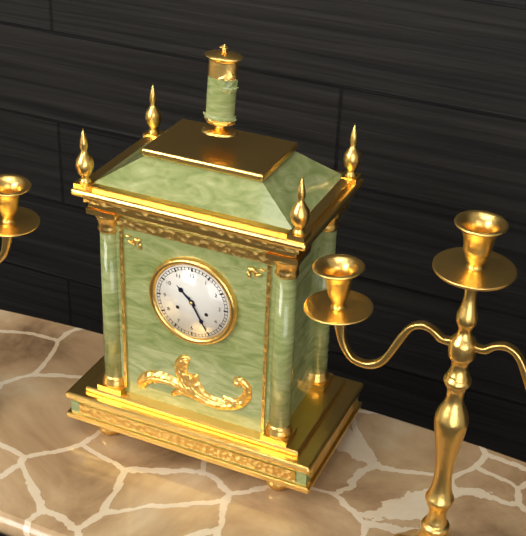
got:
h=10 m=25
